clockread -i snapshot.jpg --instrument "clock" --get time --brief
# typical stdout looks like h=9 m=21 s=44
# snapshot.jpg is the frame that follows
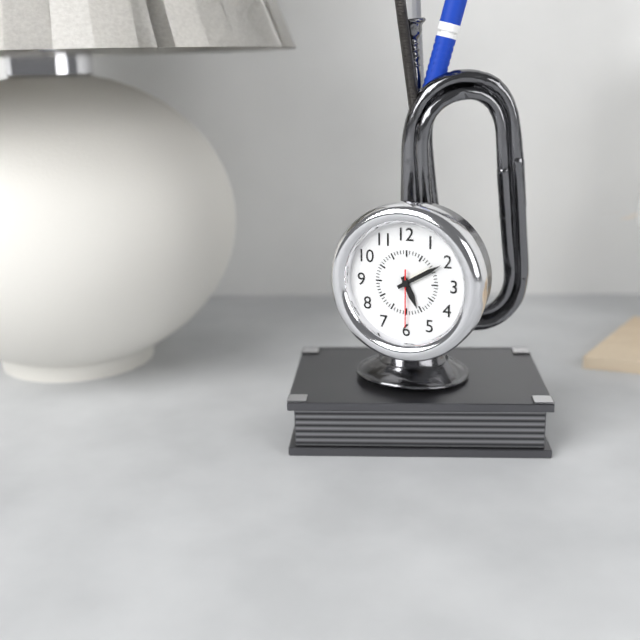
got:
h=5 m=10 s=30
